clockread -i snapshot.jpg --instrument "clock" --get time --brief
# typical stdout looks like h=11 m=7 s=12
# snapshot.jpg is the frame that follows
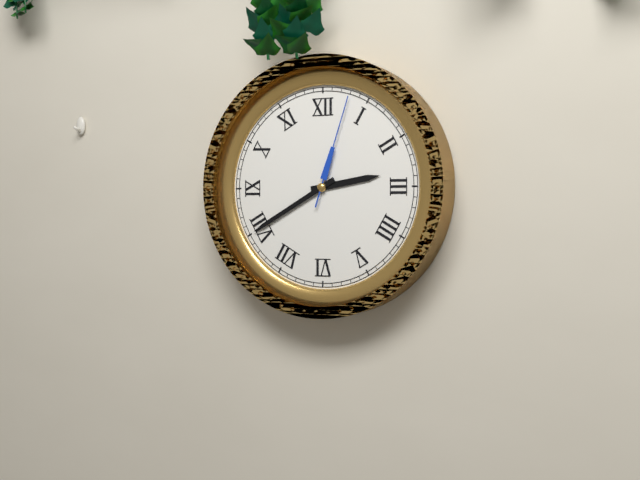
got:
h=2 m=40 s=3
